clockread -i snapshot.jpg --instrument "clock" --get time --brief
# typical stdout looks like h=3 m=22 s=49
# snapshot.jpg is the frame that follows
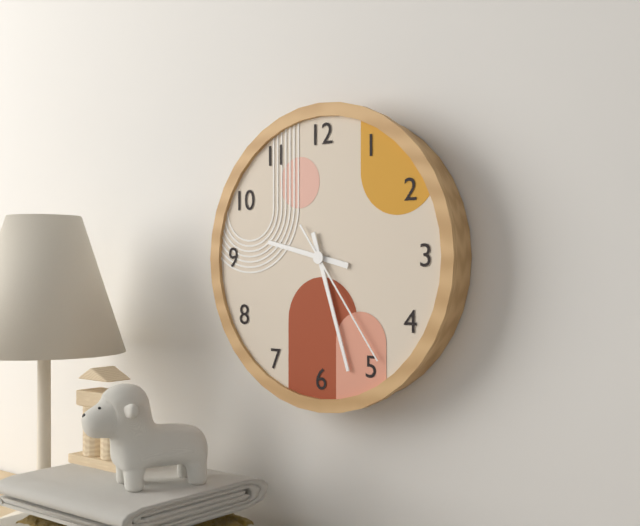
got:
h=9 m=27 s=24
